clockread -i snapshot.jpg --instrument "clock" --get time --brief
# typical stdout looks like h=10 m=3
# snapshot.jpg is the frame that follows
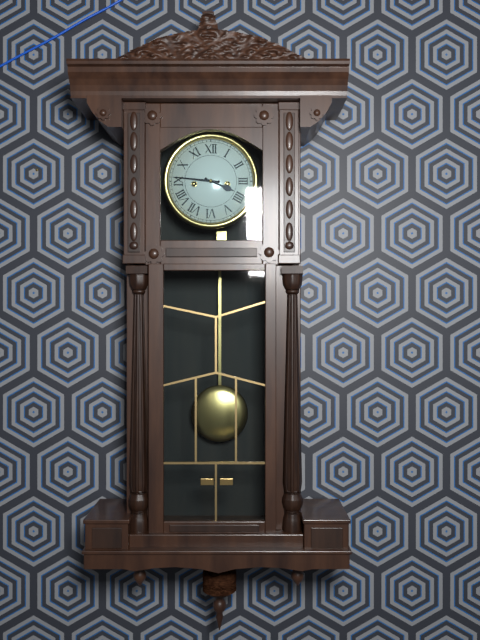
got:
h=3 m=46
